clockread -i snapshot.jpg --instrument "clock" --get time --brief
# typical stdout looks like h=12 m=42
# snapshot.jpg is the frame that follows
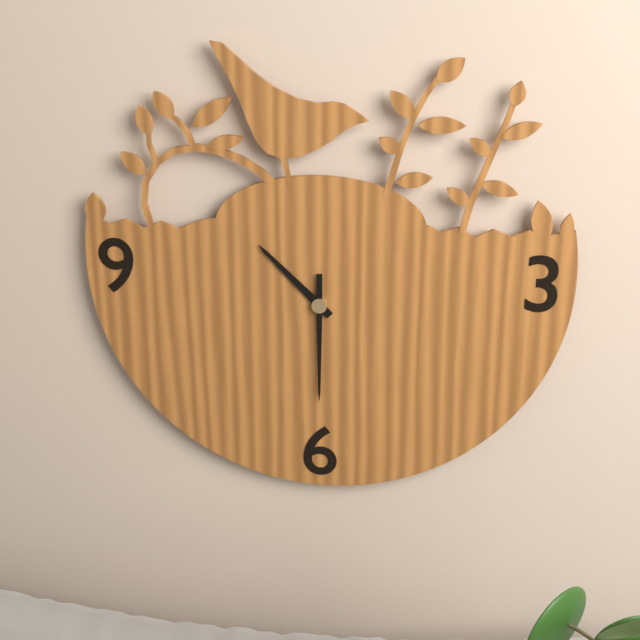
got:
h=10 m=30
